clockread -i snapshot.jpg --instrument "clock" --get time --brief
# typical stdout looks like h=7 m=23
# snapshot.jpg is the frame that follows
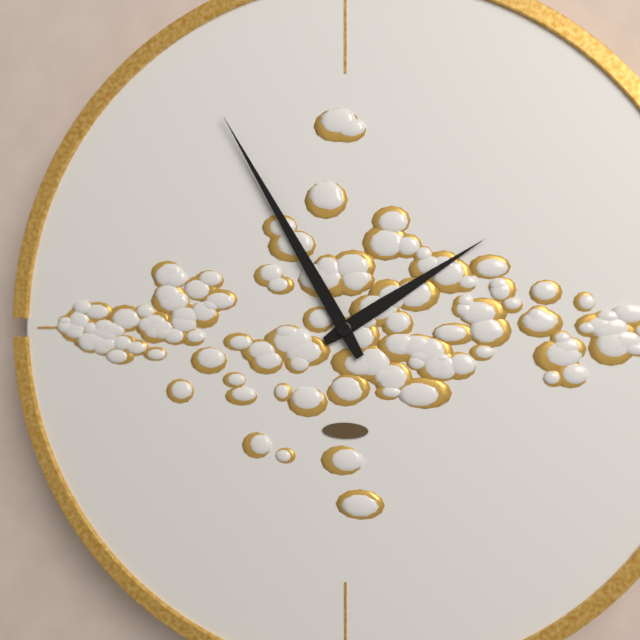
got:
h=1 m=55
